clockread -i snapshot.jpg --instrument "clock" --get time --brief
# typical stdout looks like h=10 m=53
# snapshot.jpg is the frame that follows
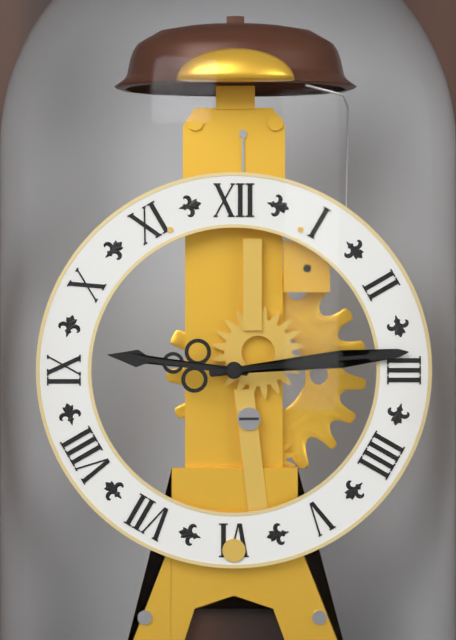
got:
h=9 m=14
